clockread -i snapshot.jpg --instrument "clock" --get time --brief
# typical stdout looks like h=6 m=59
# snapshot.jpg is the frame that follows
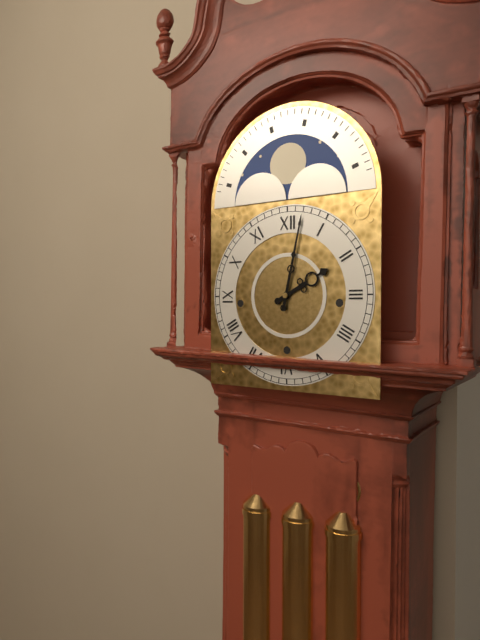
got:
h=2 m=2
